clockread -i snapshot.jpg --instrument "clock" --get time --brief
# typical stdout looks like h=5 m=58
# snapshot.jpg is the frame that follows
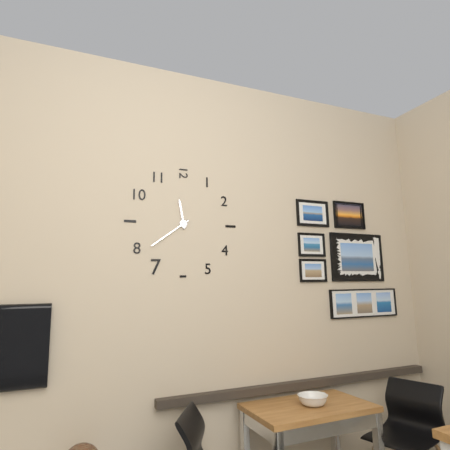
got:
h=11 m=39
